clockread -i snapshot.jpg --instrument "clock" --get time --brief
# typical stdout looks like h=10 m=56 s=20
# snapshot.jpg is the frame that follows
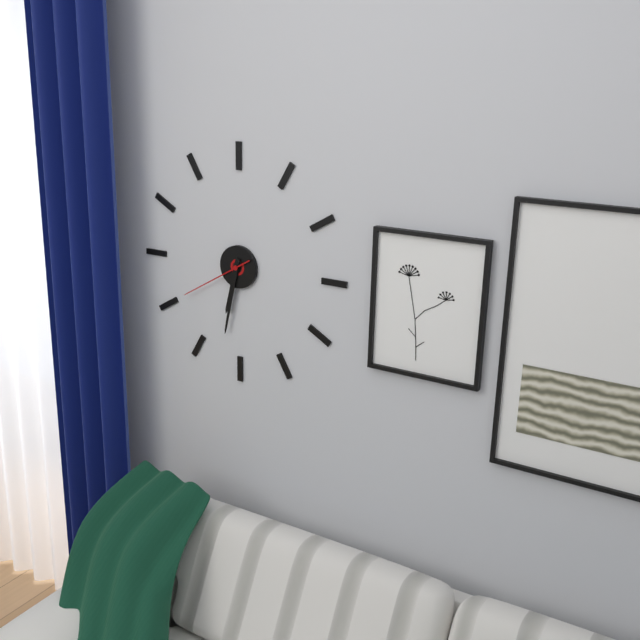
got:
h=6 m=32 s=40
